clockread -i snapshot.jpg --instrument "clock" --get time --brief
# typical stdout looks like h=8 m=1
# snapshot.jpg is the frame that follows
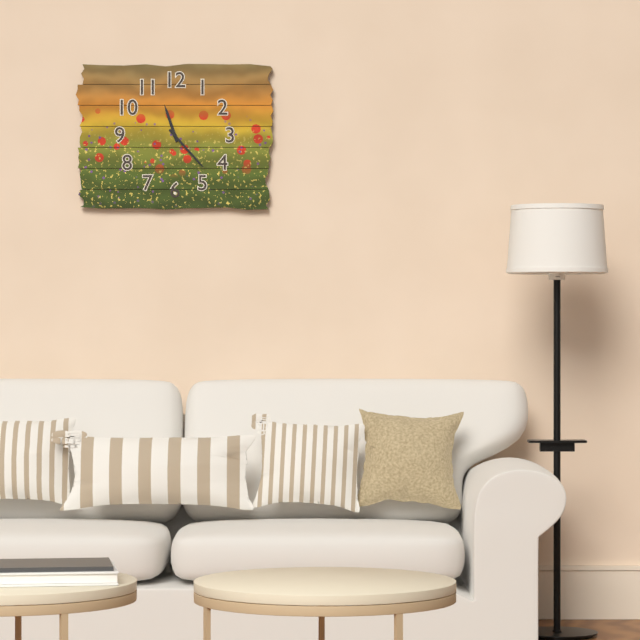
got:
h=11 m=23
